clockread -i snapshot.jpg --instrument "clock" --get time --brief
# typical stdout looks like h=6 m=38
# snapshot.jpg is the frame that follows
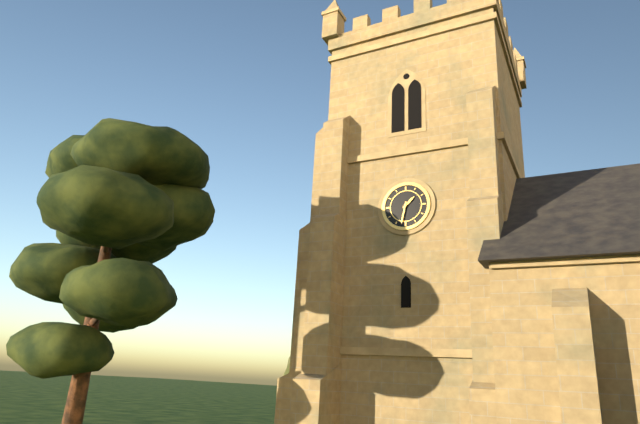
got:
h=1 m=32
